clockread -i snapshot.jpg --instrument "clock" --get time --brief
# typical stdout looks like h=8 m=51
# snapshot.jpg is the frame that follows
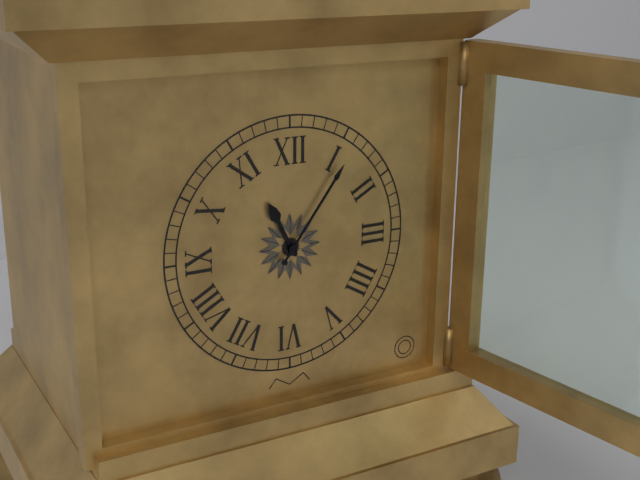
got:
h=11 m=6
